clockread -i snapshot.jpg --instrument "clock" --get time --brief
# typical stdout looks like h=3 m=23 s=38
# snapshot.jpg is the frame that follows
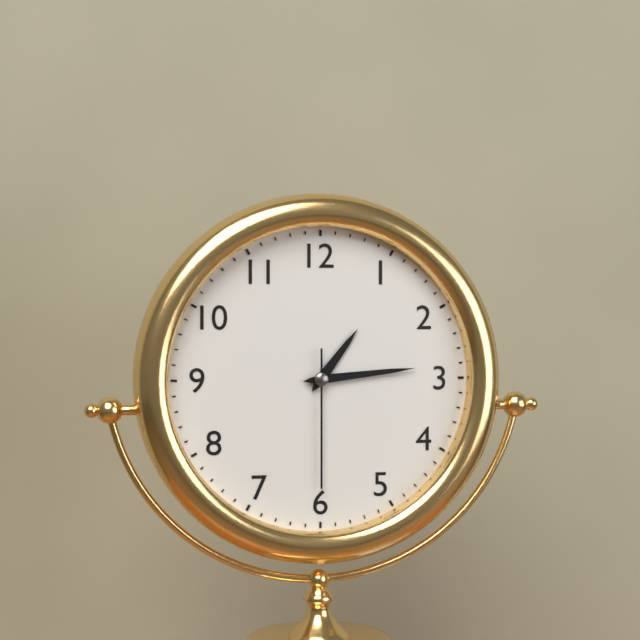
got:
h=1 m=14 s=30
